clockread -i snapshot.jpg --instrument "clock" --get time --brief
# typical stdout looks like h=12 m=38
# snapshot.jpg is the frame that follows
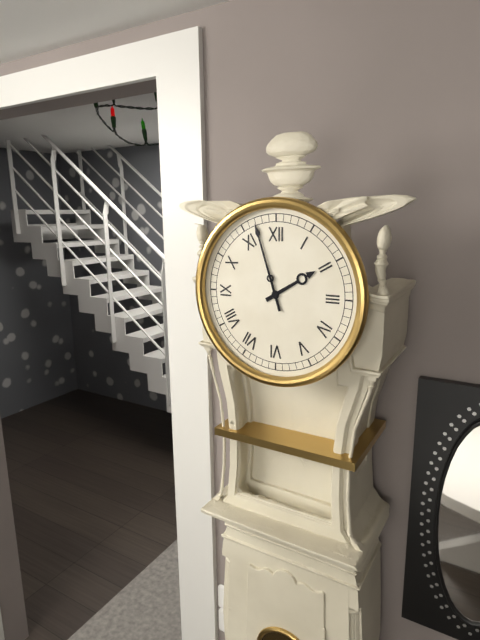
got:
h=1 m=57
